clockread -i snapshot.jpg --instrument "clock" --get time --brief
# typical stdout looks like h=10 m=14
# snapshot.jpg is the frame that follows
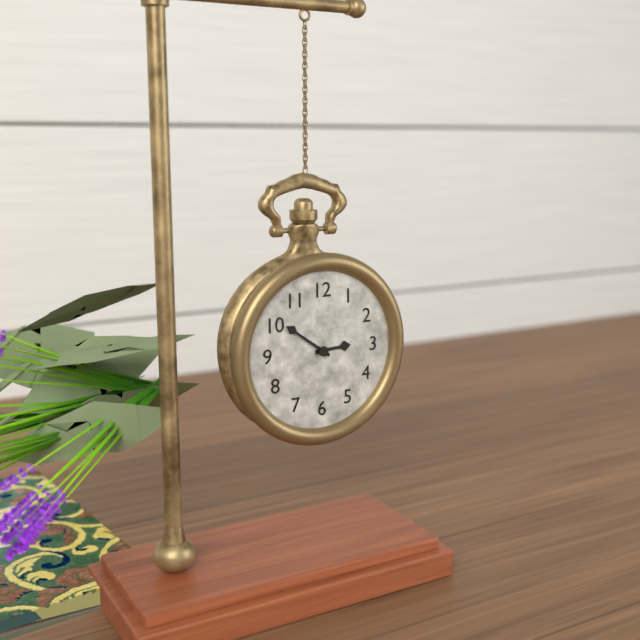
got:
h=2 m=51
